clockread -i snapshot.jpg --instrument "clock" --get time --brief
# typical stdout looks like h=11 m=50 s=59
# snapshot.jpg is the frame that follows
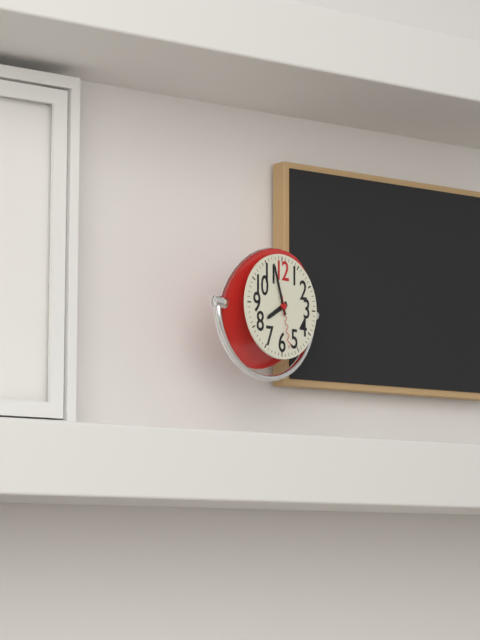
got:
h=7 m=57 s=28
